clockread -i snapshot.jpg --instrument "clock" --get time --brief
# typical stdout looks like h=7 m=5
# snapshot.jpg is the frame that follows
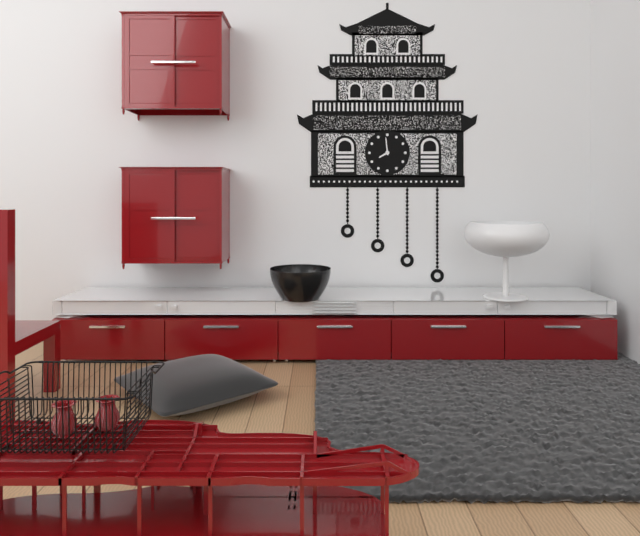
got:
h=7 m=59
